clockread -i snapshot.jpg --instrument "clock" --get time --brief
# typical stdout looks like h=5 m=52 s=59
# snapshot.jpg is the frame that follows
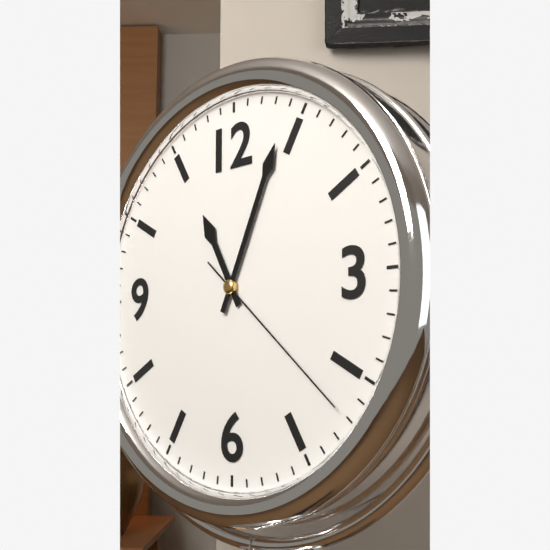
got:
h=11 m=4 s=22
